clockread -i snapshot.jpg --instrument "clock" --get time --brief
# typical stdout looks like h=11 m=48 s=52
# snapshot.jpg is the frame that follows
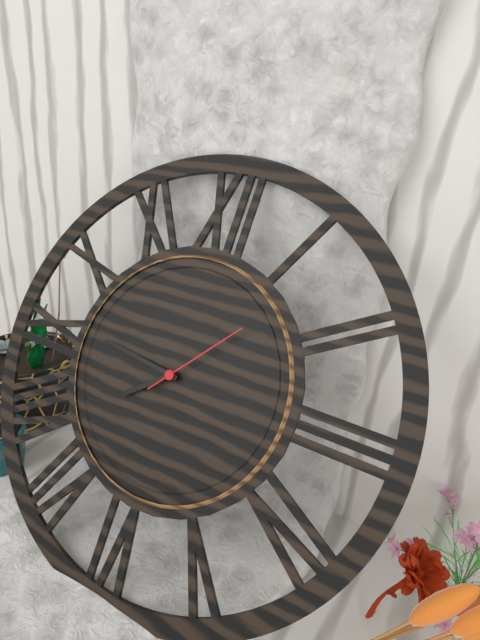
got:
h=7 m=46 s=7
